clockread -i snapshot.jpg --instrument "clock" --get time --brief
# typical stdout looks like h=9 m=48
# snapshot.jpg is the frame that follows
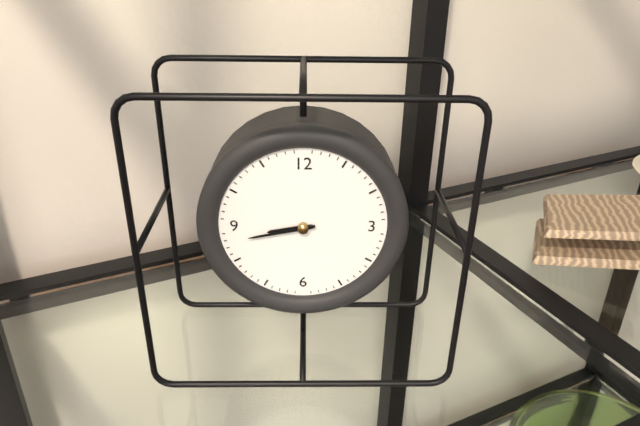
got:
h=8 m=43
